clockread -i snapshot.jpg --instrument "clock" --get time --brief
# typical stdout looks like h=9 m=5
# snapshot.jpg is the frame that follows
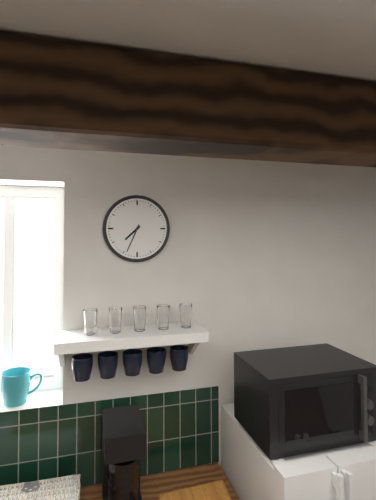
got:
h=7 m=34
